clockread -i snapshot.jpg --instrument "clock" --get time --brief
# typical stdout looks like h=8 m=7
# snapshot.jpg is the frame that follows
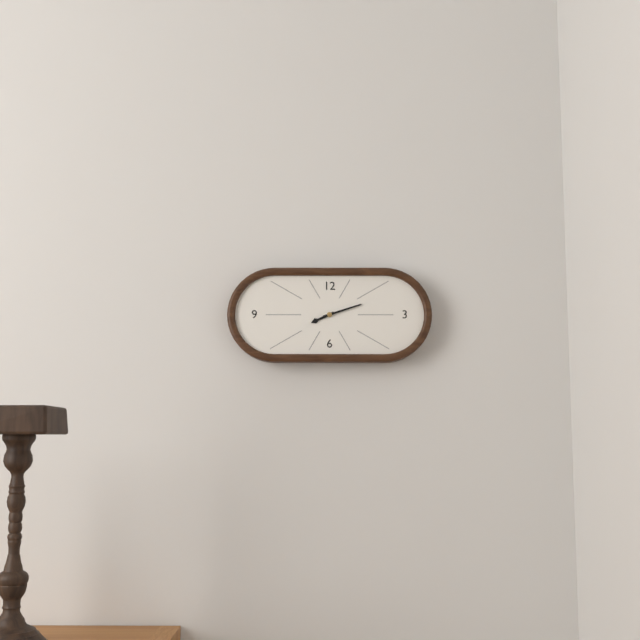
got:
h=8 m=12
